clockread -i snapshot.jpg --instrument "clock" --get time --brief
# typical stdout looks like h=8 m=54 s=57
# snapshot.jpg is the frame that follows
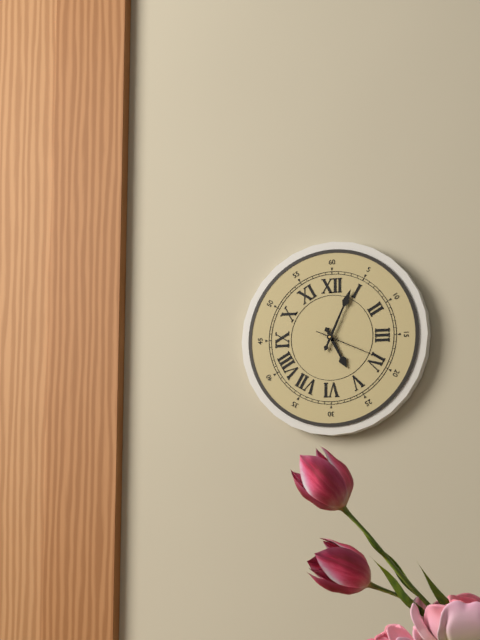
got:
h=5 m=4 s=19
